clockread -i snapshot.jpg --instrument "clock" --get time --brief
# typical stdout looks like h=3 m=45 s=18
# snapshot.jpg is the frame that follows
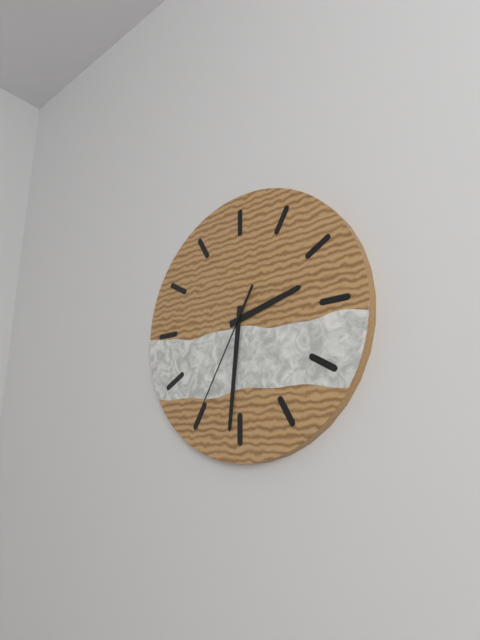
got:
h=2 m=31 s=35
